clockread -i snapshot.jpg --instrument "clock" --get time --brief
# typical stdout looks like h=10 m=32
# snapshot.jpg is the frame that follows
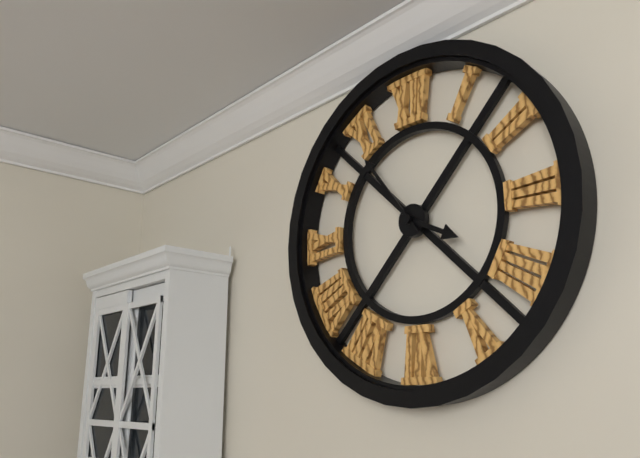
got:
h=3 m=54
